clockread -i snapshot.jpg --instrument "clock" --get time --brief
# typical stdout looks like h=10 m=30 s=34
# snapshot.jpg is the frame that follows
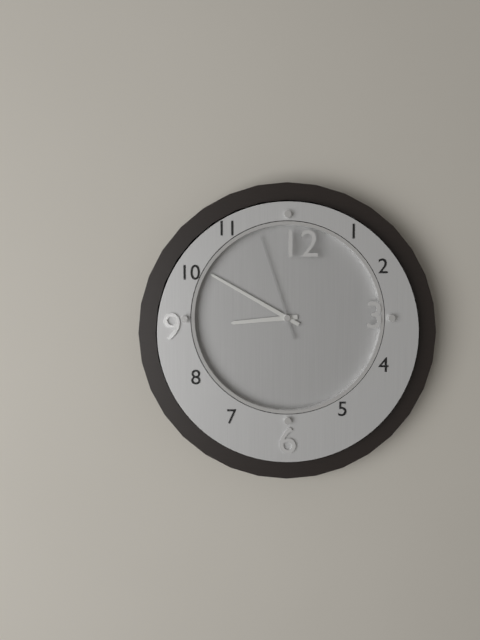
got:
h=8 m=50 s=57
